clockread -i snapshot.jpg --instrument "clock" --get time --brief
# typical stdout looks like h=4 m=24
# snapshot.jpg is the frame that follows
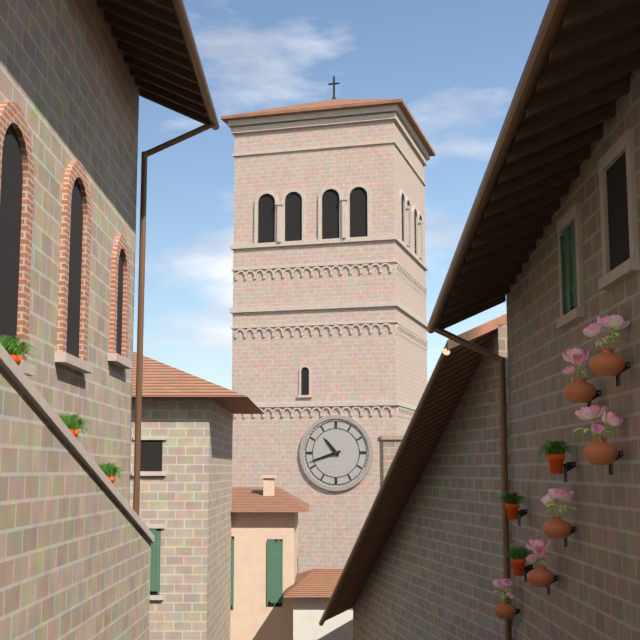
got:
h=10 m=42
